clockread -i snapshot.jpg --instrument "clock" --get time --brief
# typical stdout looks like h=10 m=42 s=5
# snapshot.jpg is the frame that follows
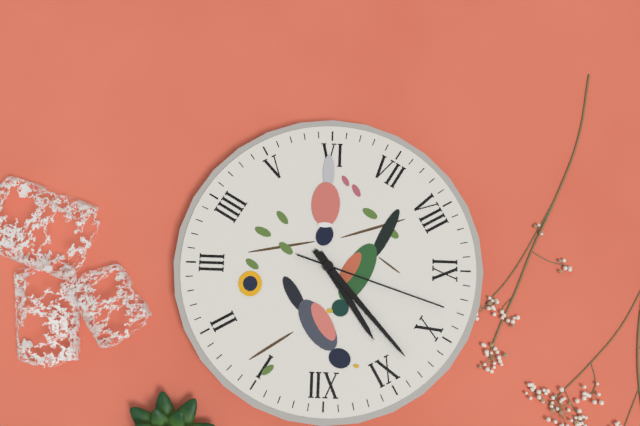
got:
h=10 m=53 s=48
